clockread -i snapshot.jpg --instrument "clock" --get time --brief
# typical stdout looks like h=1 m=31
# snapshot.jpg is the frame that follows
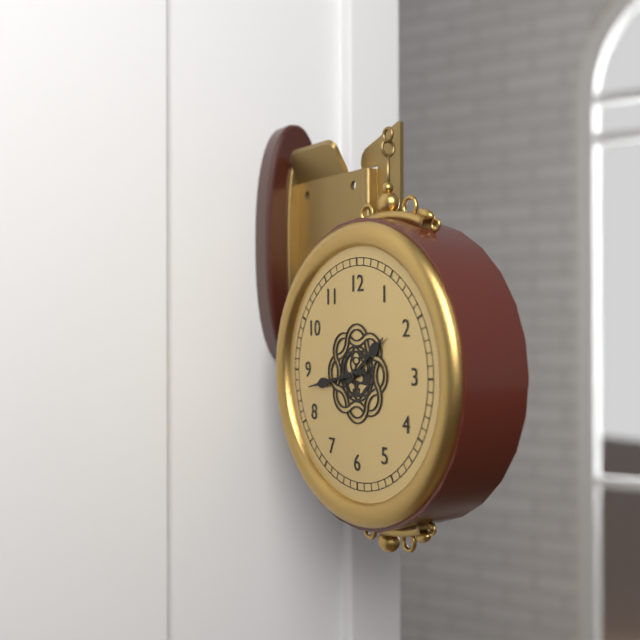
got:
h=1 m=43
